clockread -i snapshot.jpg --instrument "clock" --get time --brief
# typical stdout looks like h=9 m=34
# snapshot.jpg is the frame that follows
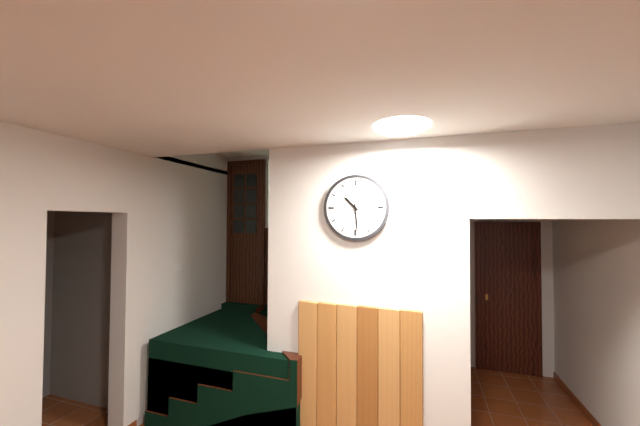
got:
h=10 m=29
